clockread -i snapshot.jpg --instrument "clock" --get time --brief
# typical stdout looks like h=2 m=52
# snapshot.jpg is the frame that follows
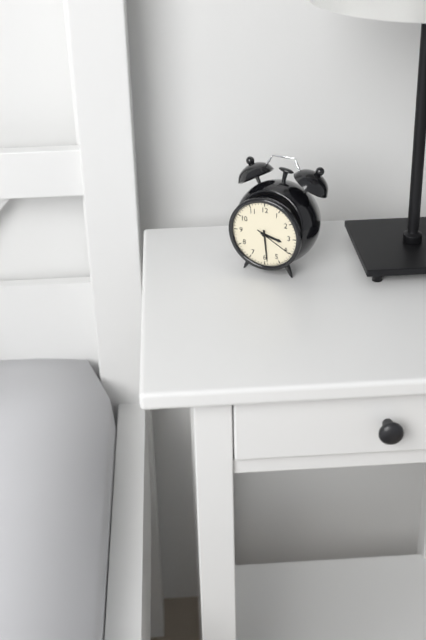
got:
h=3 m=29
